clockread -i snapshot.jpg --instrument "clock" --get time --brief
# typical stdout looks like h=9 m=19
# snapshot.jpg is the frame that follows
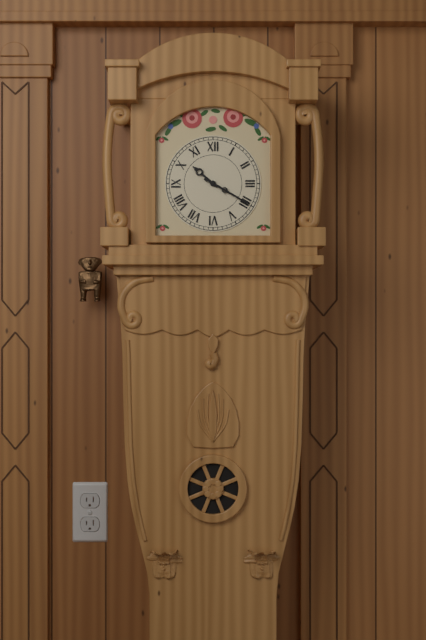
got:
h=10 m=20
